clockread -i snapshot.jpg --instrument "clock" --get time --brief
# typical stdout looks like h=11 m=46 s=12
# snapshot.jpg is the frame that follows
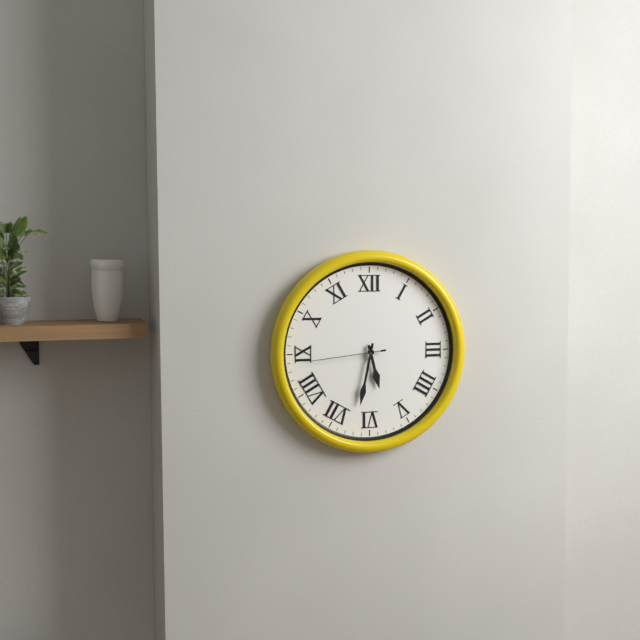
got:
h=5 m=32 s=44
